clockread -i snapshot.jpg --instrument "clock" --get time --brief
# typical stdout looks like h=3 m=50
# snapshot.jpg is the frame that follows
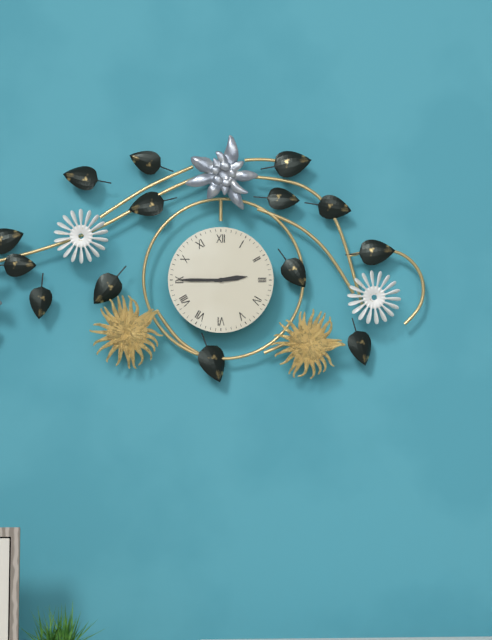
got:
h=2 m=45
